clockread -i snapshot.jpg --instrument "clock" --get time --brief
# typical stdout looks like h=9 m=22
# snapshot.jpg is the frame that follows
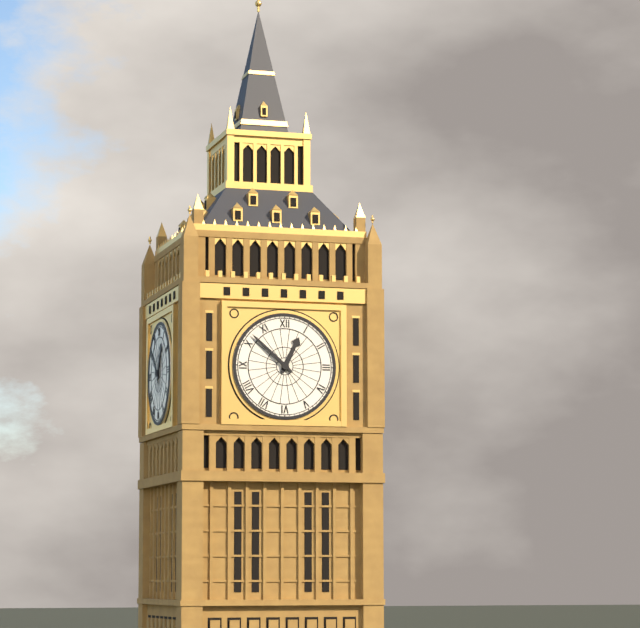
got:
h=12 m=52
